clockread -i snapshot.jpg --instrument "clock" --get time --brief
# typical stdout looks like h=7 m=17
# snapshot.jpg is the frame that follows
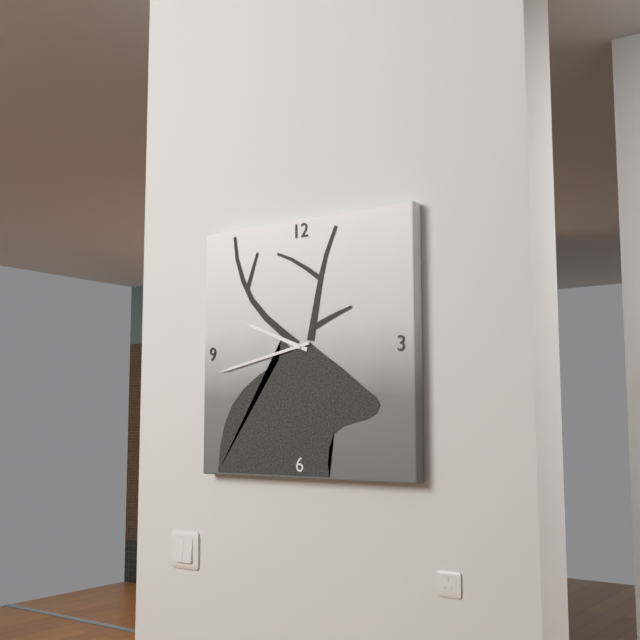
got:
h=9 m=43
